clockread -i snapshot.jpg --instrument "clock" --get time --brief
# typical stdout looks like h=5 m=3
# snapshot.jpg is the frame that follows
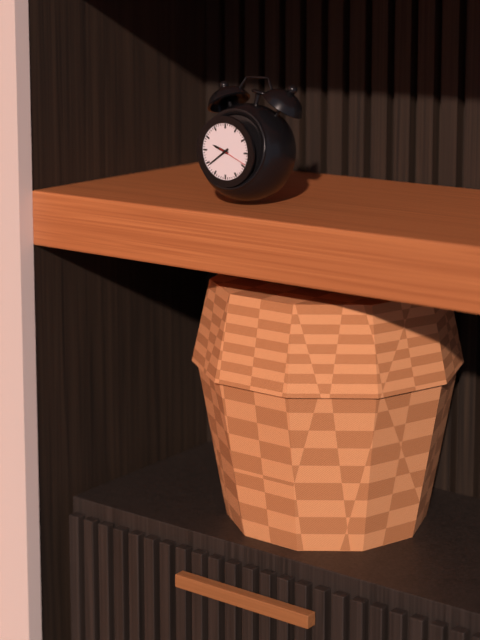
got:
h=9 m=39
